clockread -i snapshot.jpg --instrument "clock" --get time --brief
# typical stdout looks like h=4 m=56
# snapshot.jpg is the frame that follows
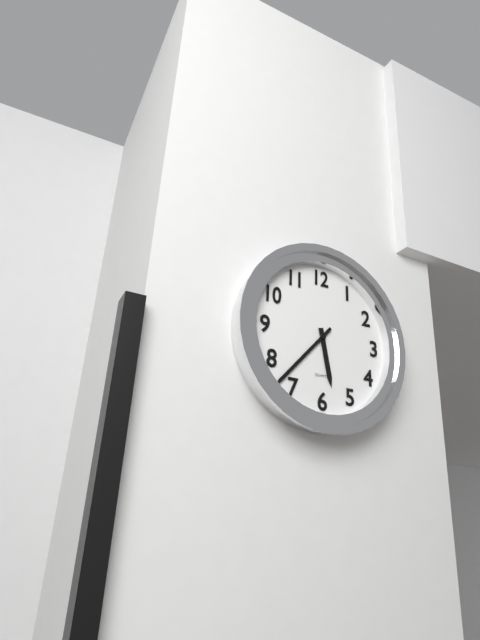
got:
h=5 m=37
